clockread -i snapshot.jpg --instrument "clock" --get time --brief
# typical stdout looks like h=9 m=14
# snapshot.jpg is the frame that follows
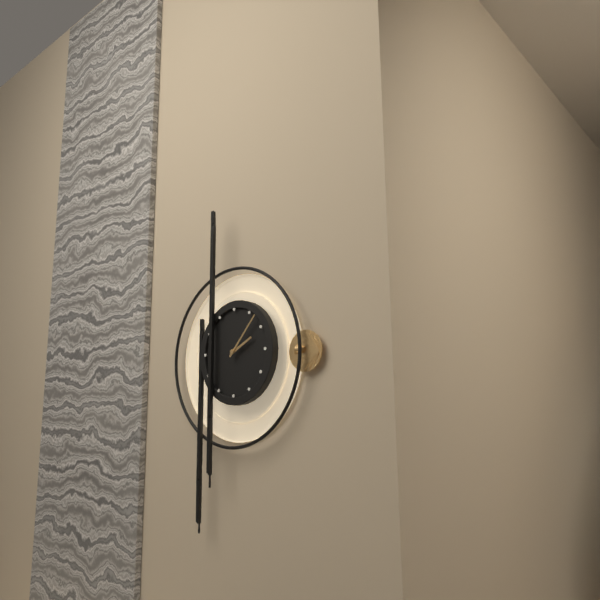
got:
h=2 m=7
